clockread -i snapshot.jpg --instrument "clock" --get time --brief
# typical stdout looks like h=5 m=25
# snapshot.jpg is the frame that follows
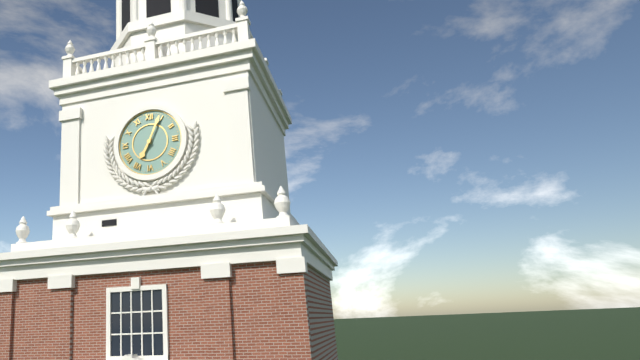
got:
h=7 m=4
